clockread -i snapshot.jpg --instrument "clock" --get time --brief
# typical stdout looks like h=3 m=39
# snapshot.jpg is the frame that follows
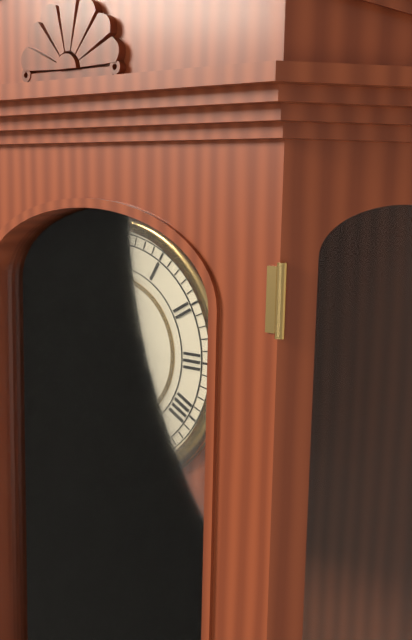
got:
h=4 m=44
